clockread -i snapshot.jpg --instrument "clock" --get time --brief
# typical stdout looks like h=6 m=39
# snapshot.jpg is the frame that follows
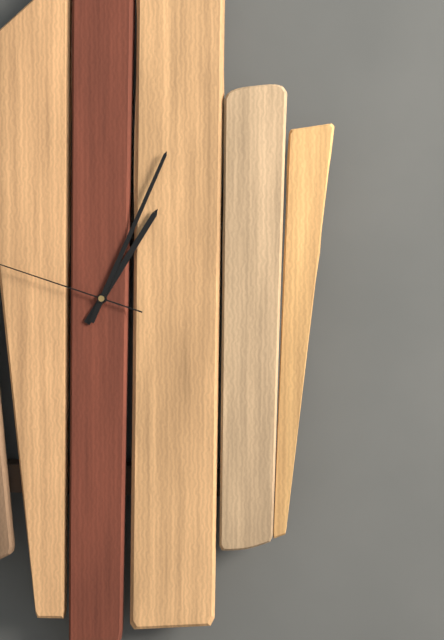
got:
h=1 m=4
